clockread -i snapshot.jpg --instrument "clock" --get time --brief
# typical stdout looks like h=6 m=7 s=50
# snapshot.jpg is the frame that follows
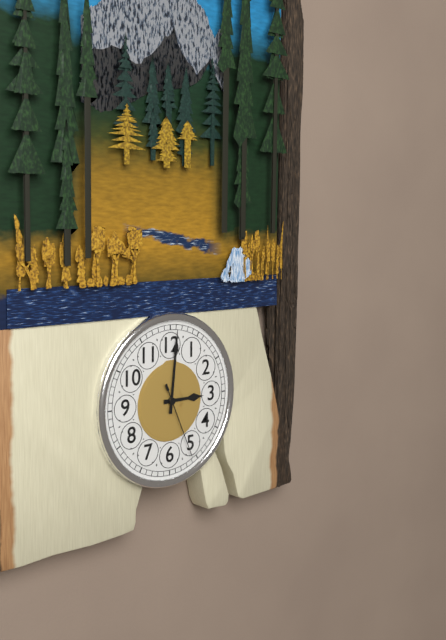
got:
h=3 m=1 s=26
